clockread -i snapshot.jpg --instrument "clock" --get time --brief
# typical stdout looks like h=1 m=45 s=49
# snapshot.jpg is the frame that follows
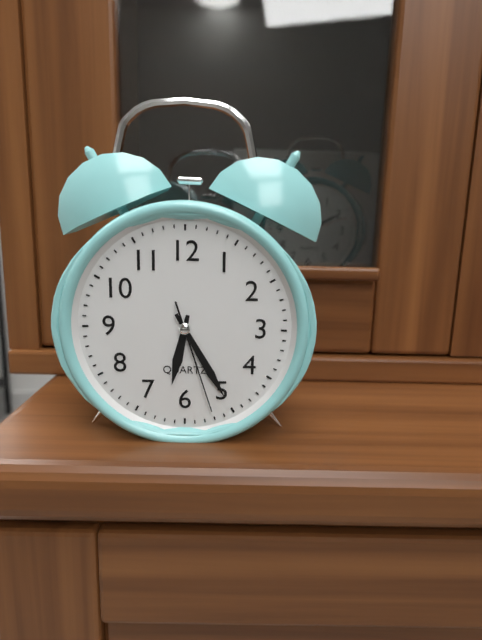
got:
h=6 m=25 s=27
